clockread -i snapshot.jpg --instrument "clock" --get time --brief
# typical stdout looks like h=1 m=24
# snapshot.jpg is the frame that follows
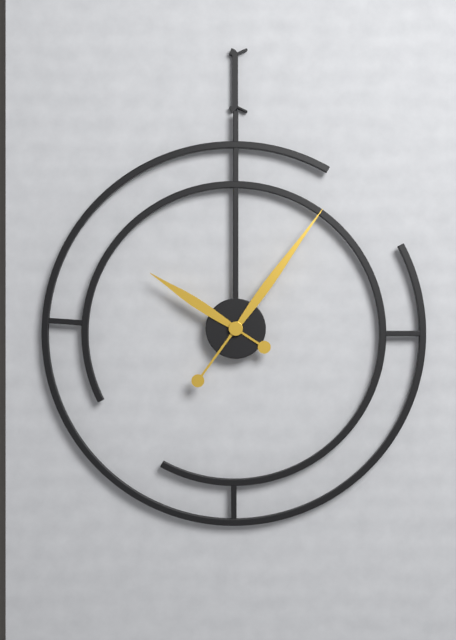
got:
h=10 m=6
